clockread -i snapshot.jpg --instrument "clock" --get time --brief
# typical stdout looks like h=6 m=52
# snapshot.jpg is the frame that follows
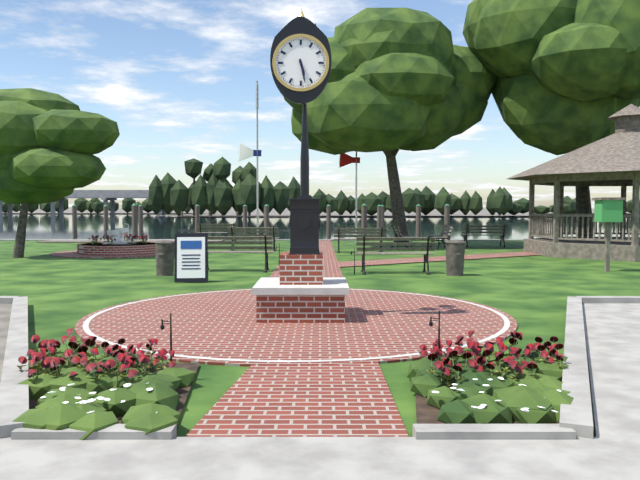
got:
h=5 m=28
